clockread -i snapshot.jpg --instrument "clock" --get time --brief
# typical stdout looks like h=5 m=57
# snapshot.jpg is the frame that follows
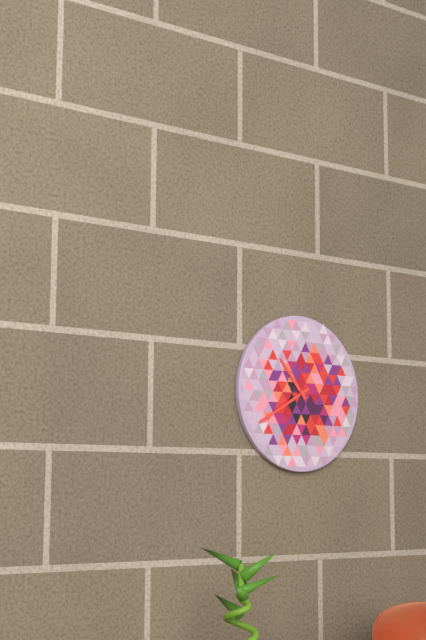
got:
h=10 m=40
